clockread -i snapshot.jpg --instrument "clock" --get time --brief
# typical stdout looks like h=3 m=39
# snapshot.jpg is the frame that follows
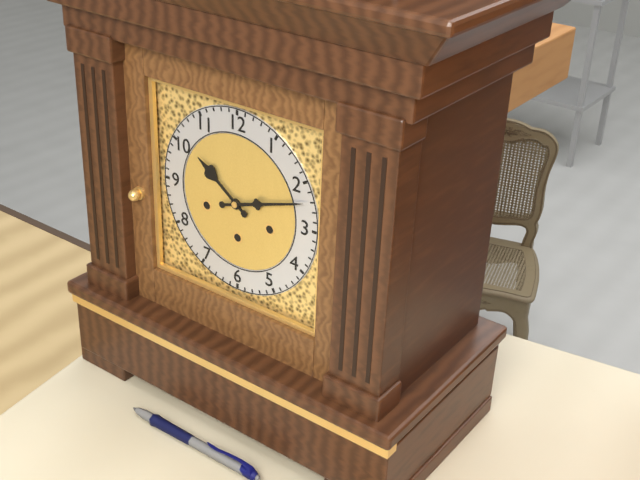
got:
h=10 m=12
